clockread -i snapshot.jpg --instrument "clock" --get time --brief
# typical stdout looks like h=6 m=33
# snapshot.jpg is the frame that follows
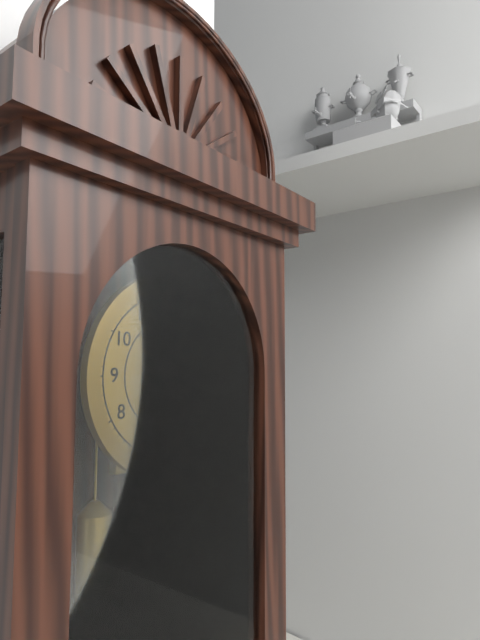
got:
h=12 m=29
